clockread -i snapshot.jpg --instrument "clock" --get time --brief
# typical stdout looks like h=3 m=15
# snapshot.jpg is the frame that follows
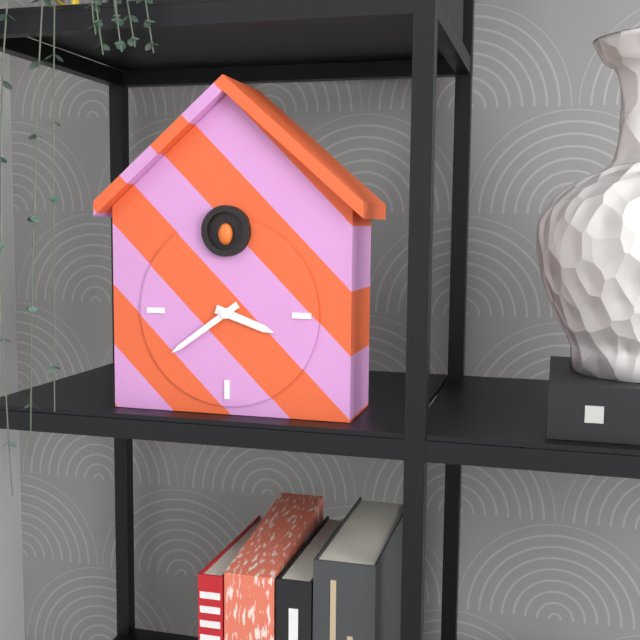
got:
h=3 m=39
